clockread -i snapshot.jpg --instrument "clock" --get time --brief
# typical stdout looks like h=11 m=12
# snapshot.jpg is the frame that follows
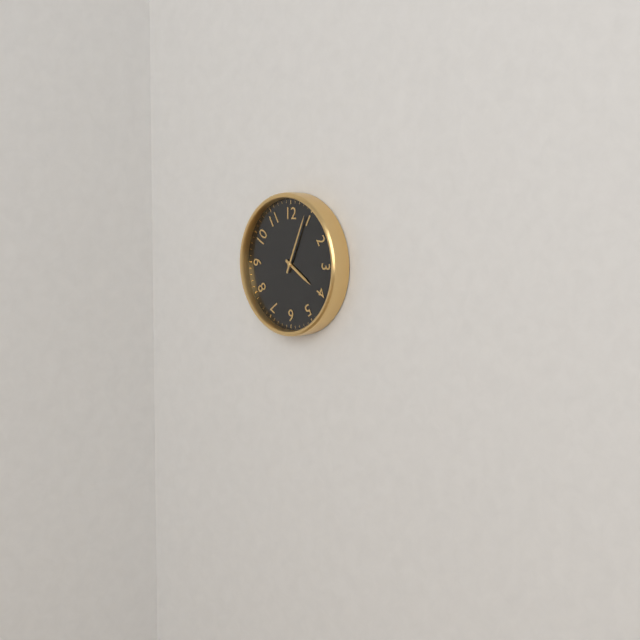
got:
h=4 m=4
